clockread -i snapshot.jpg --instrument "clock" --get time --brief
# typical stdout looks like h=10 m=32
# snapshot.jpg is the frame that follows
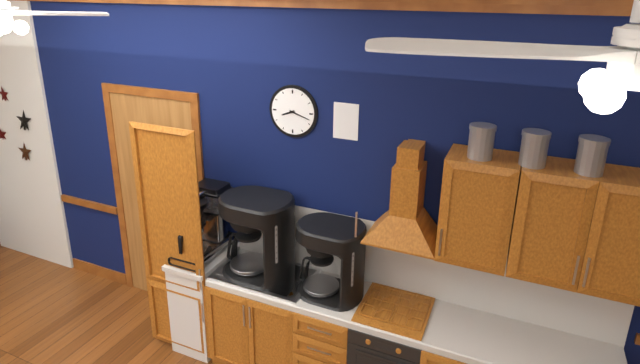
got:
h=8 m=18
